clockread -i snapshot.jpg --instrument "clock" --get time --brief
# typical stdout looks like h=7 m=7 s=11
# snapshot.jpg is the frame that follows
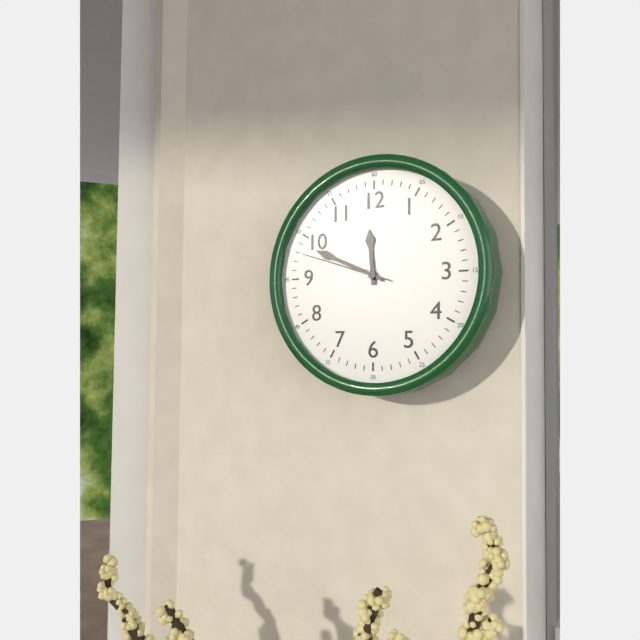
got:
h=11 m=49 s=48
